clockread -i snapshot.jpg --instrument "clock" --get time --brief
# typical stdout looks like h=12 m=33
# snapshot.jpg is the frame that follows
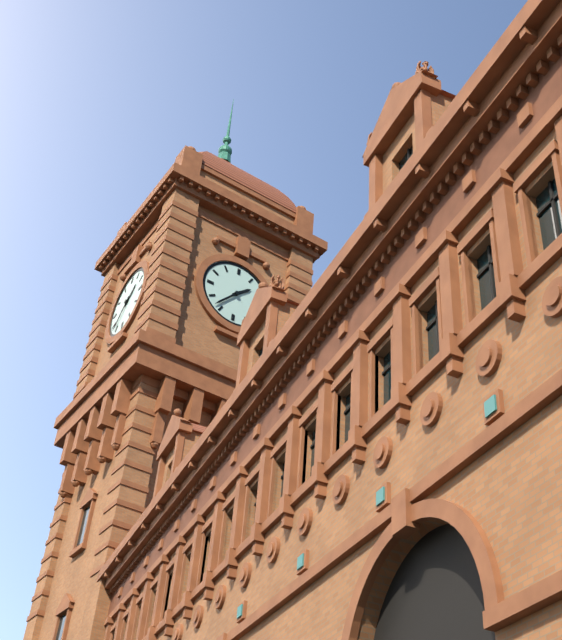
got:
h=1 m=37
